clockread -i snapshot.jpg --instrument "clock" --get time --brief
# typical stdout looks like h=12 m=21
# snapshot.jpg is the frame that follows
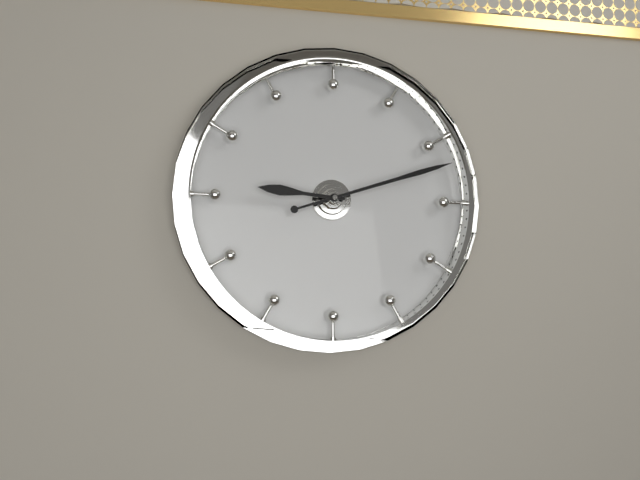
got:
h=9 m=12
